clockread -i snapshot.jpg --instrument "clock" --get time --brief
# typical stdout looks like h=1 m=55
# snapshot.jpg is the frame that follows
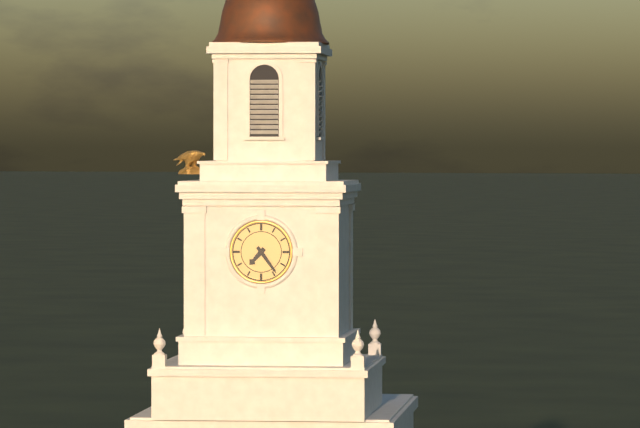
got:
h=7 m=24
